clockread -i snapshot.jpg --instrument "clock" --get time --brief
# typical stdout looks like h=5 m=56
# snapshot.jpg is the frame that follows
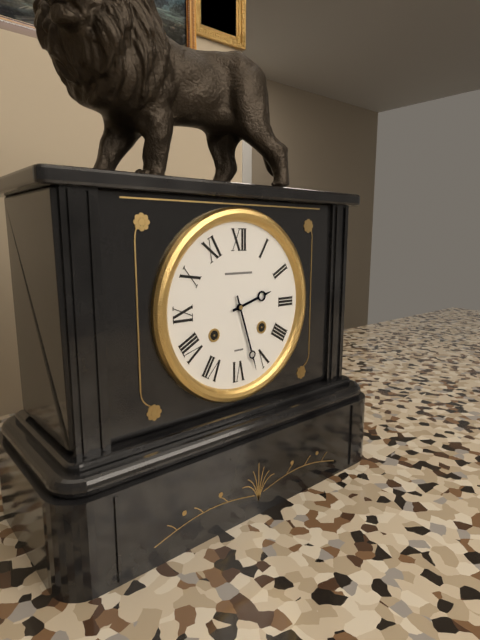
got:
h=2 m=27
